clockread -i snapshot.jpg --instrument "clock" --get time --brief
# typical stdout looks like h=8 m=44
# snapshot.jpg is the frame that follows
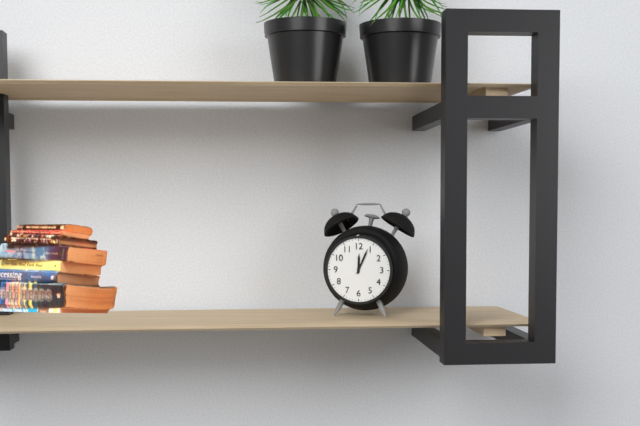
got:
h=12 m=4
